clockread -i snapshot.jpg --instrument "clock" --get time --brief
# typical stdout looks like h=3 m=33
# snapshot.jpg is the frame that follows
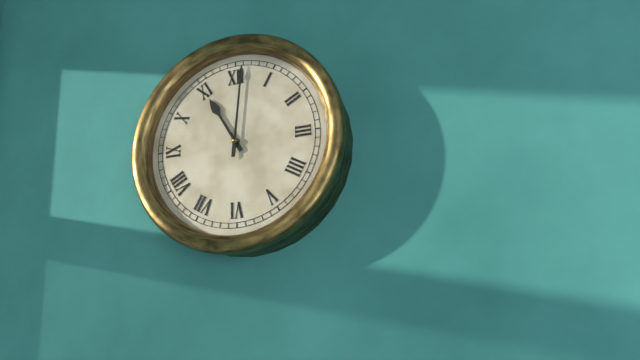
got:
h=11 m=1
